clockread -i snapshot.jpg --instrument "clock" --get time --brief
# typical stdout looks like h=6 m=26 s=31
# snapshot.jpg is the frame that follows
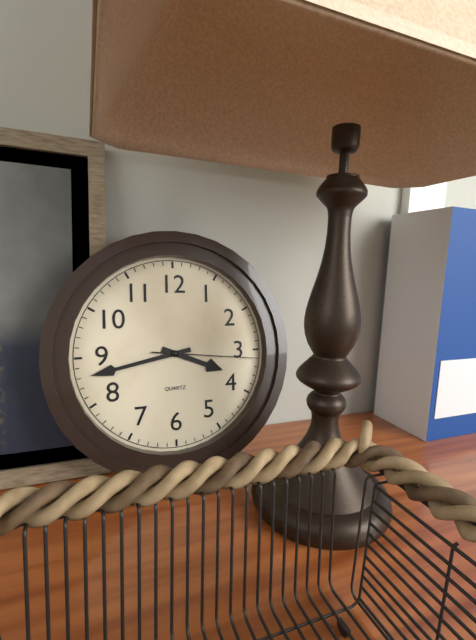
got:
h=3 m=43 s=16
